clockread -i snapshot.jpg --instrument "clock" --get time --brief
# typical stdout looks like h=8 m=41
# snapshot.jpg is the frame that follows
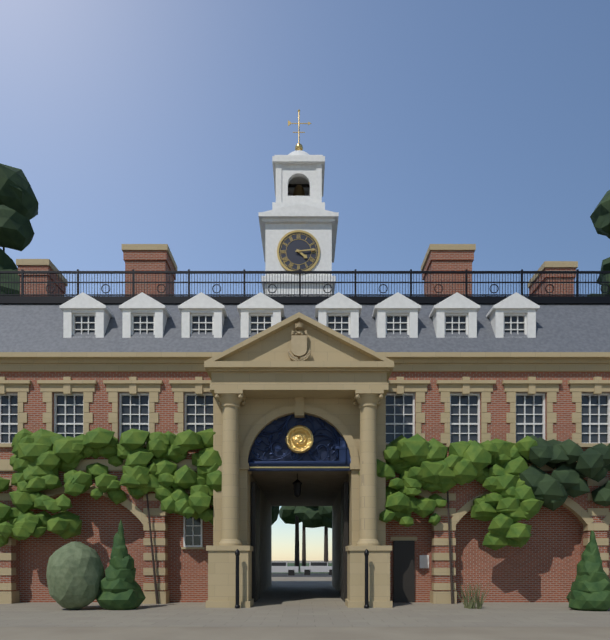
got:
h=4 m=14
